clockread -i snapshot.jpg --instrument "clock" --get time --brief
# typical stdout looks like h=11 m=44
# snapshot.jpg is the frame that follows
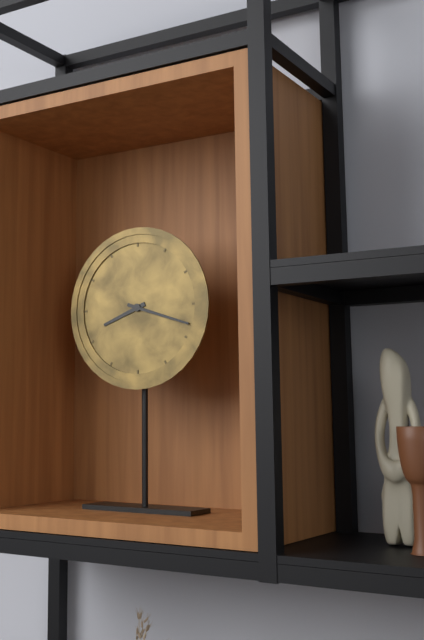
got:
h=8 m=18
